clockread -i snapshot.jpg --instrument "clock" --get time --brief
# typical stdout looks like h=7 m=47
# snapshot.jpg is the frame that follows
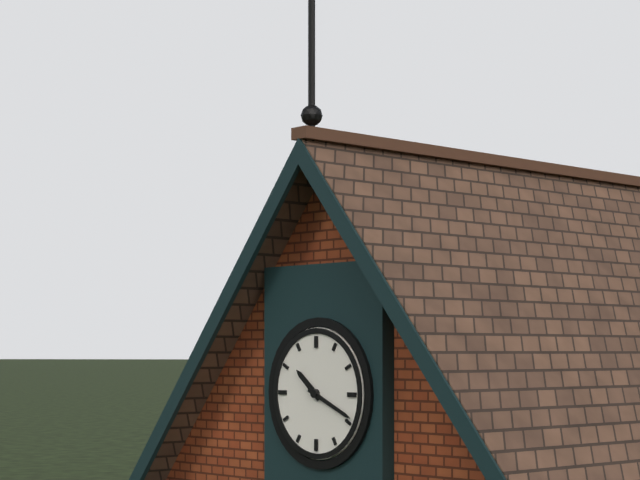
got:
h=10 m=19
